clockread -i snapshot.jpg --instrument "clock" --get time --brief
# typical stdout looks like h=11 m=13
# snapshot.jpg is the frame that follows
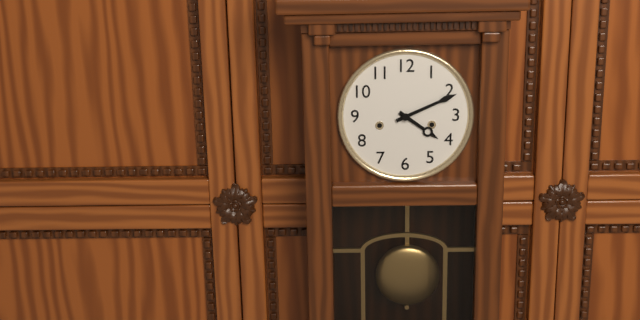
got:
h=4 m=11
